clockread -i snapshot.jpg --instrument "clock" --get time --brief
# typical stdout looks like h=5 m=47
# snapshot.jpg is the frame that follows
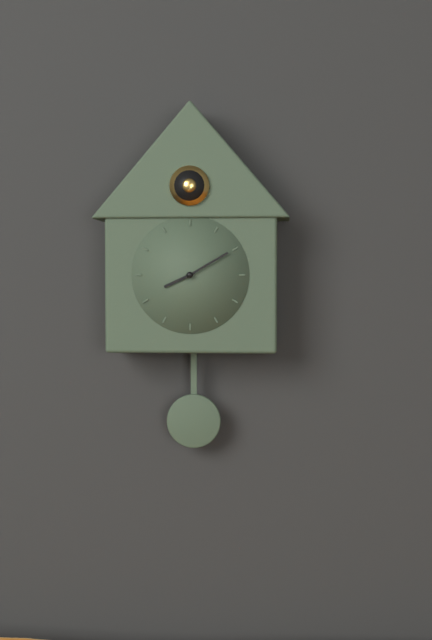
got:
h=8 m=10
